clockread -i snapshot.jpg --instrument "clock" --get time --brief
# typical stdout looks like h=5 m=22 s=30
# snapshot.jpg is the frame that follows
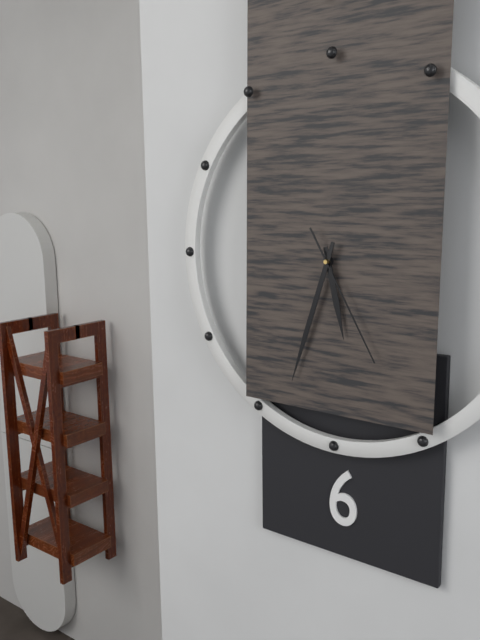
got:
h=5 m=33 s=25
